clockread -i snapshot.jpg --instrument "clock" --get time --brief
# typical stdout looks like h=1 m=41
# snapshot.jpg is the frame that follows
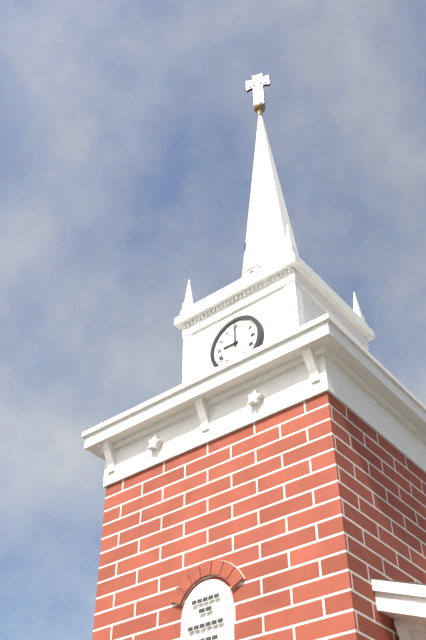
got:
h=9 m=0
